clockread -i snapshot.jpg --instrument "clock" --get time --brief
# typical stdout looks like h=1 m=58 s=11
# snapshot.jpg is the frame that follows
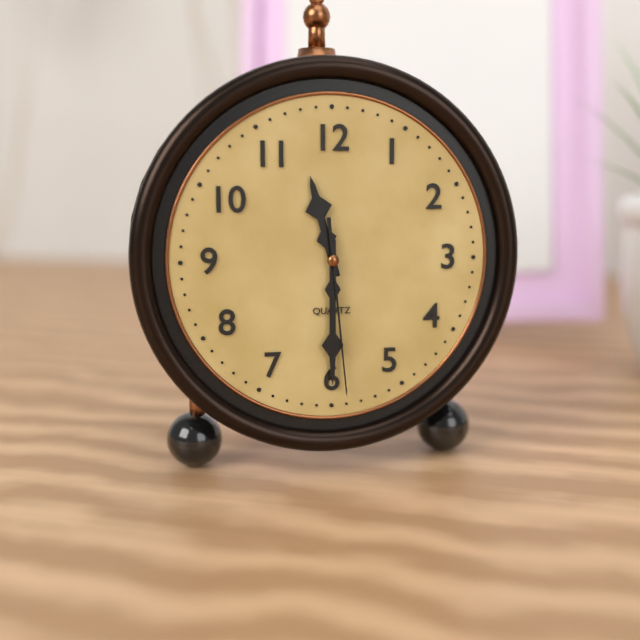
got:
h=11 m=30 s=29
